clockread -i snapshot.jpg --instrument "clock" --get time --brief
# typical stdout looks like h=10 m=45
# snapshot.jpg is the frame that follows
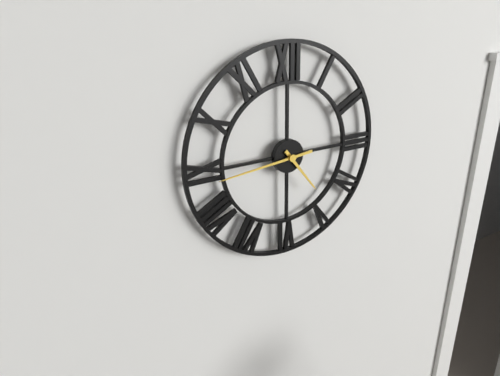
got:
h=4 m=44
